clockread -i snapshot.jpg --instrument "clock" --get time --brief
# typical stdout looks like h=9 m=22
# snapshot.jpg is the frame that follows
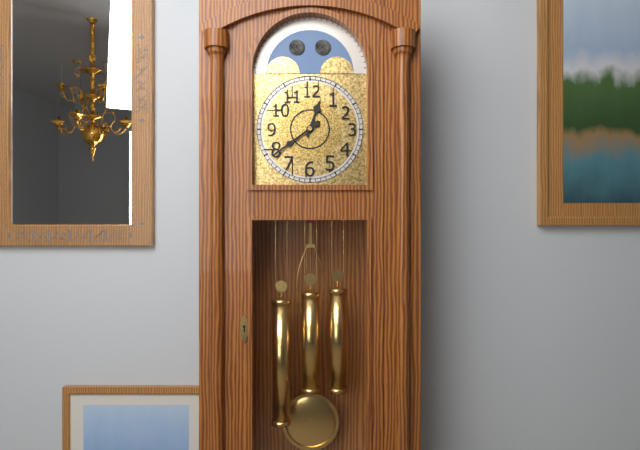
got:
h=12 m=39
